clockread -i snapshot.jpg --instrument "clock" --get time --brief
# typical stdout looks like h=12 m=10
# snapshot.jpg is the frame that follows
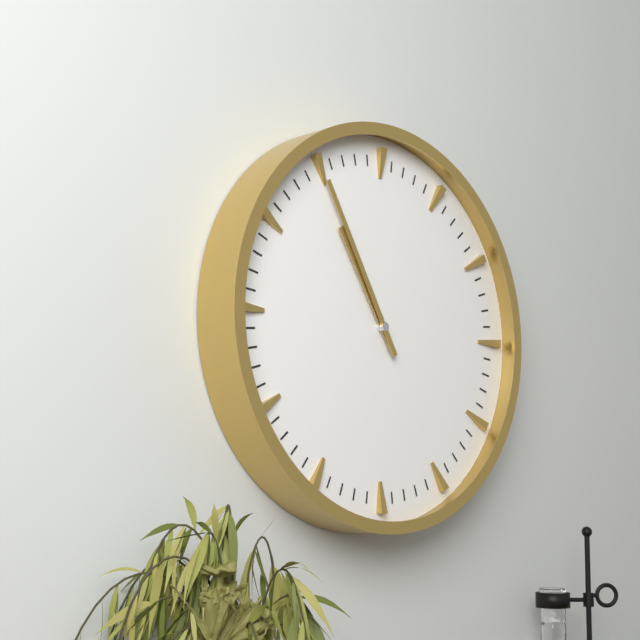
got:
h=10 m=55
